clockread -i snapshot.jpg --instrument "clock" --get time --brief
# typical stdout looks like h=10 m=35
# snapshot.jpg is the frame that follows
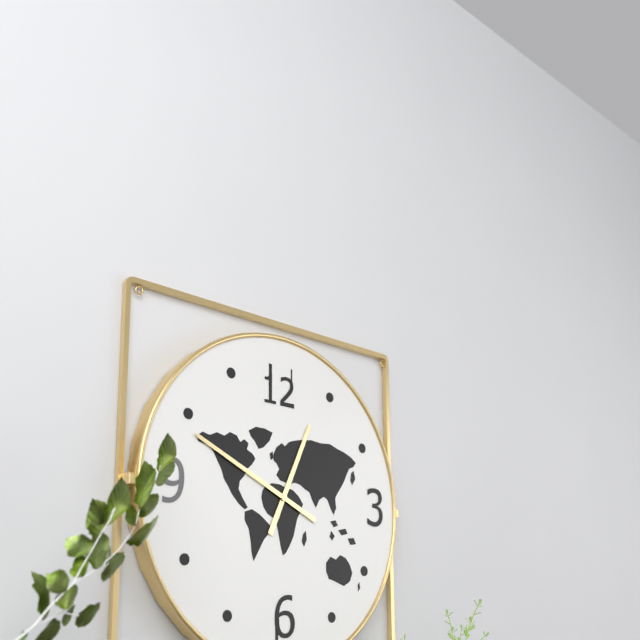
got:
h=12 m=49
